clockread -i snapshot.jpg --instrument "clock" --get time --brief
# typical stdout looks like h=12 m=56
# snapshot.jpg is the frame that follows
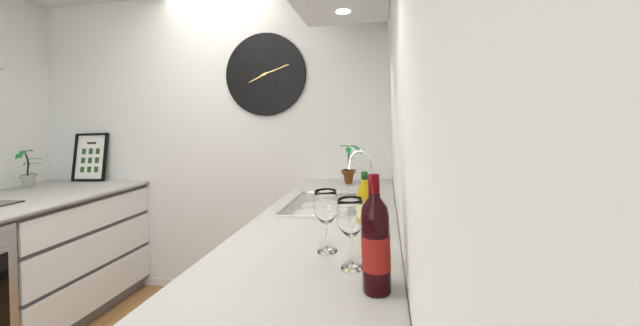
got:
h=8 m=12
